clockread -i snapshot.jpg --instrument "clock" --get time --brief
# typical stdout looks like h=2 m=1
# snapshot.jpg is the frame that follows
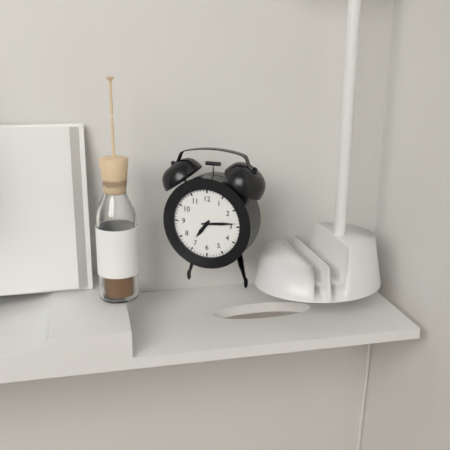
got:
h=7 m=14
